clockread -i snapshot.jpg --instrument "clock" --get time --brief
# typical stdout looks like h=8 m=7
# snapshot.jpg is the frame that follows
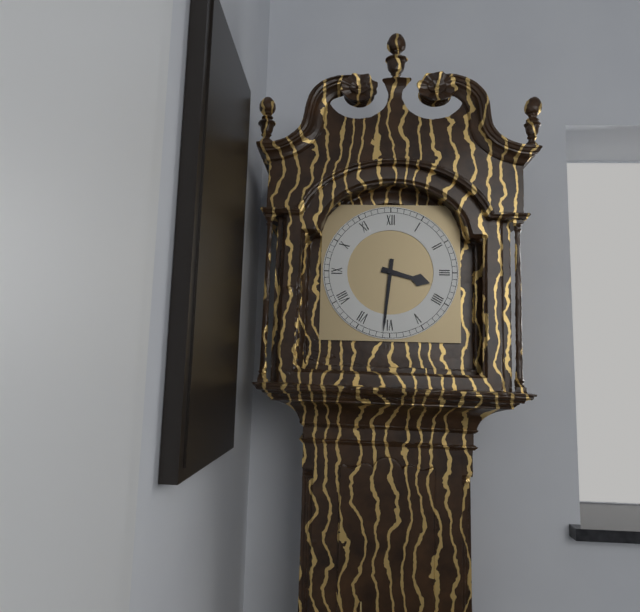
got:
h=3 m=31
